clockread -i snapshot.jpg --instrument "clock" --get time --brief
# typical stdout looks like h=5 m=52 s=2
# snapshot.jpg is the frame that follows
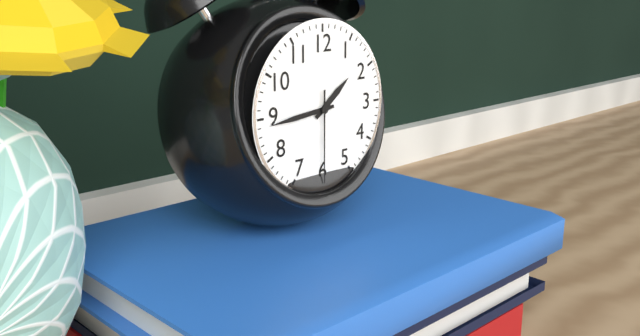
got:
h=1 m=44 s=30
